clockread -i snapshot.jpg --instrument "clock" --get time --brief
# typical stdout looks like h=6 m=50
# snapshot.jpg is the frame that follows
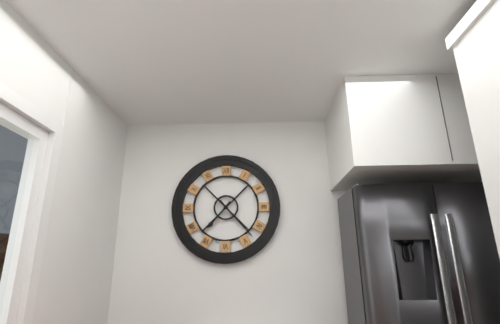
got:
h=7 m=23
